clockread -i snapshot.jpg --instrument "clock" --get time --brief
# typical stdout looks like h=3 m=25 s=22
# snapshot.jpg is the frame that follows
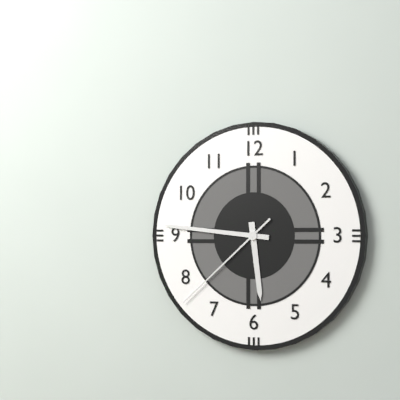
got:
h=5 m=46 s=38
